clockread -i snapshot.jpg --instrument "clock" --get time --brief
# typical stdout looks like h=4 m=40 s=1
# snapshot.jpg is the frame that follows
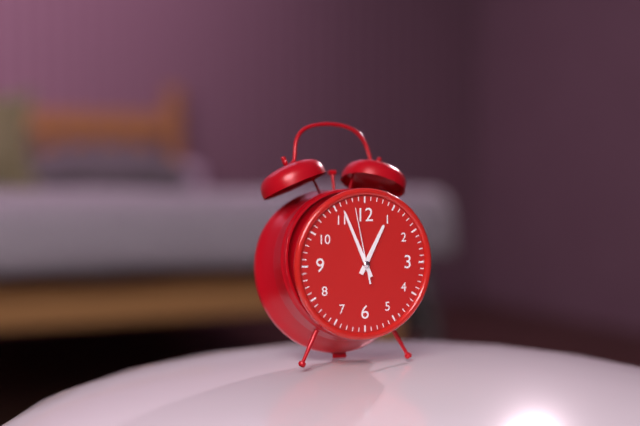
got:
h=12 m=56 s=58
